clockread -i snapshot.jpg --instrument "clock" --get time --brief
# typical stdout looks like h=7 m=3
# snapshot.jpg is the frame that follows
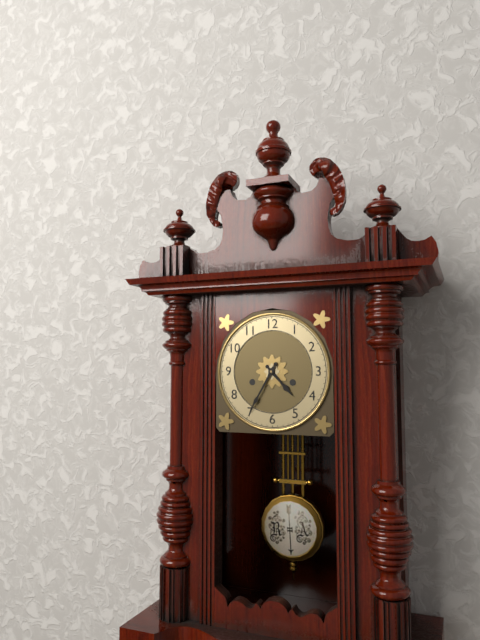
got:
h=4 m=35
